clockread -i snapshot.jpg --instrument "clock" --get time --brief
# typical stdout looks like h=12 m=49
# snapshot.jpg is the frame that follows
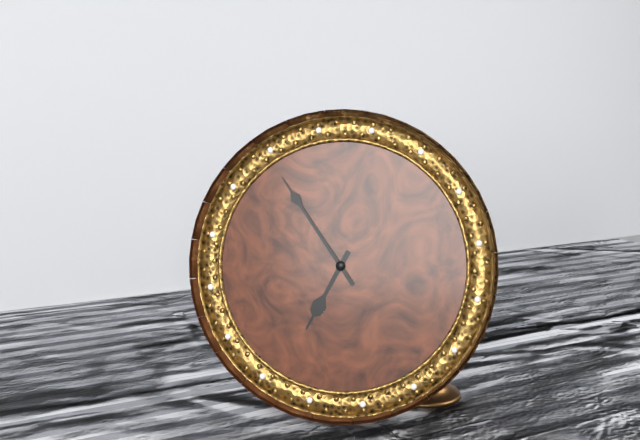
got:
h=6 m=54
